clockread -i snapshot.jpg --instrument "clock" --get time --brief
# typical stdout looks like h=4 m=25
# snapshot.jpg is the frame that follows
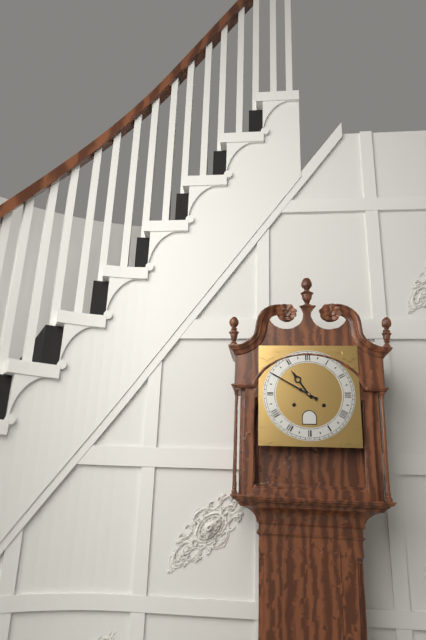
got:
h=10 m=50
